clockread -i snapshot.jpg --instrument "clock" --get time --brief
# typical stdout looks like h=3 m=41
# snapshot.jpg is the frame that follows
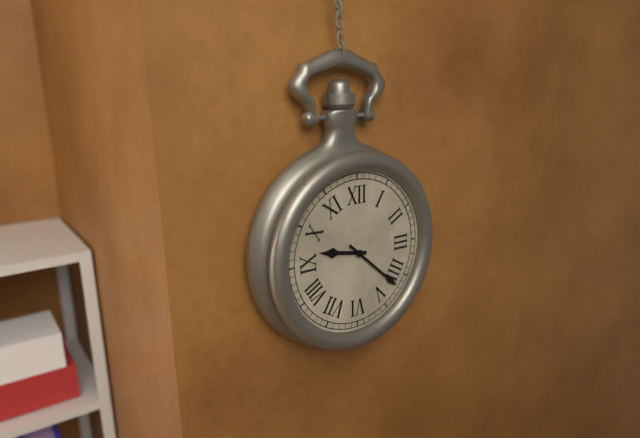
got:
h=9 m=22
